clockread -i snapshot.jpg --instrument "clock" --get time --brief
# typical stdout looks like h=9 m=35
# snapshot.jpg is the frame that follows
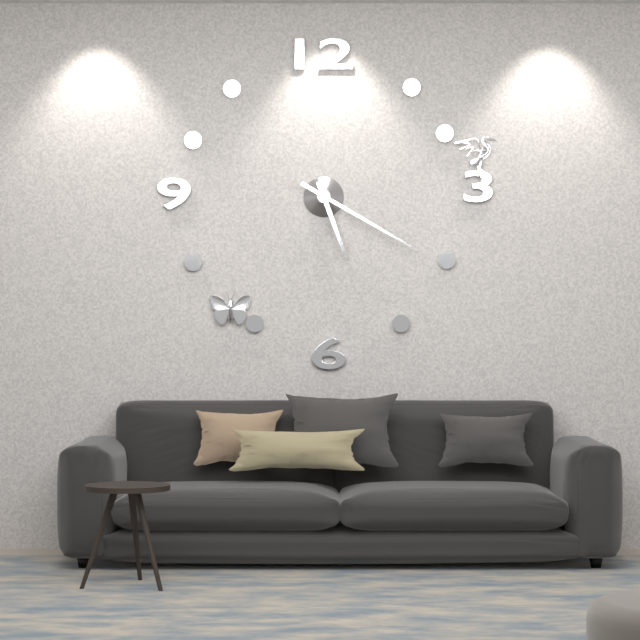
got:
h=5 m=20
